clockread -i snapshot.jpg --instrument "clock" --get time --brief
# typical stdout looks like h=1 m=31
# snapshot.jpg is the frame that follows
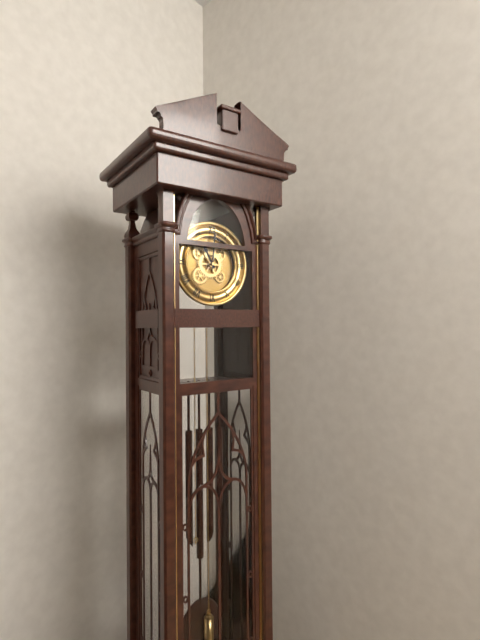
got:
h=11 m=1
